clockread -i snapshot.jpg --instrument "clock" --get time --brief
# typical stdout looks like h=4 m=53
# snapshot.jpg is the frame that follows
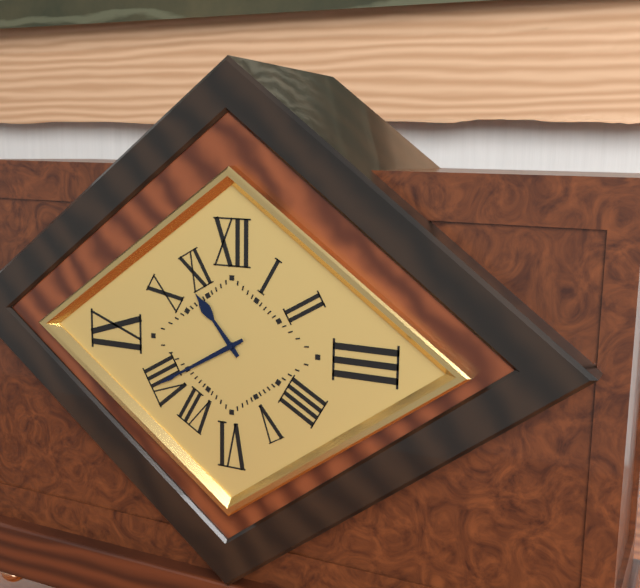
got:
h=10 m=40
